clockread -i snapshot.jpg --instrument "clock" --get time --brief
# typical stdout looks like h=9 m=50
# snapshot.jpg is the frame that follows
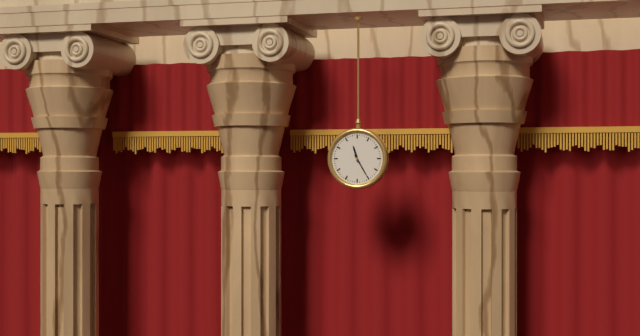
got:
h=11 m=25
